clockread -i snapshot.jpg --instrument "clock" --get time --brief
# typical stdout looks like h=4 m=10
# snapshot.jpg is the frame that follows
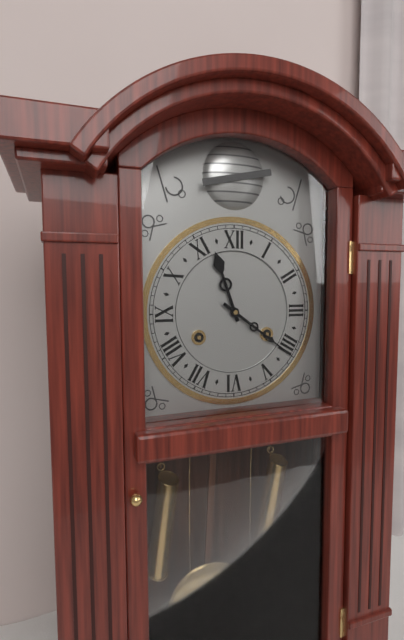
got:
h=11 m=21
